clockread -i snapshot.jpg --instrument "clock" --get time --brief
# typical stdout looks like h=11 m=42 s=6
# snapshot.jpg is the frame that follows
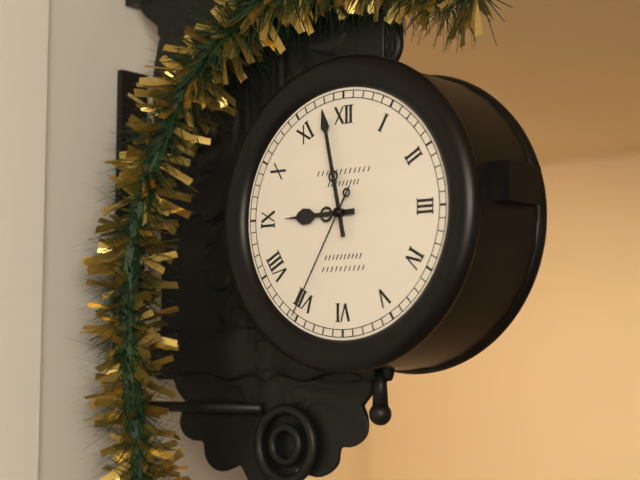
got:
h=8 m=58 s=35
